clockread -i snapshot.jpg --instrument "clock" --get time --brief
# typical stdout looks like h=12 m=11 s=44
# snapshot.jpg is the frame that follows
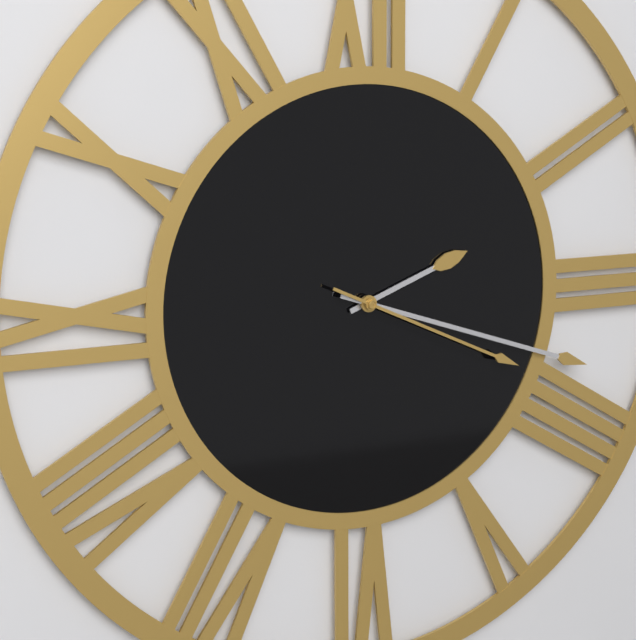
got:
h=2 m=18 s=19
